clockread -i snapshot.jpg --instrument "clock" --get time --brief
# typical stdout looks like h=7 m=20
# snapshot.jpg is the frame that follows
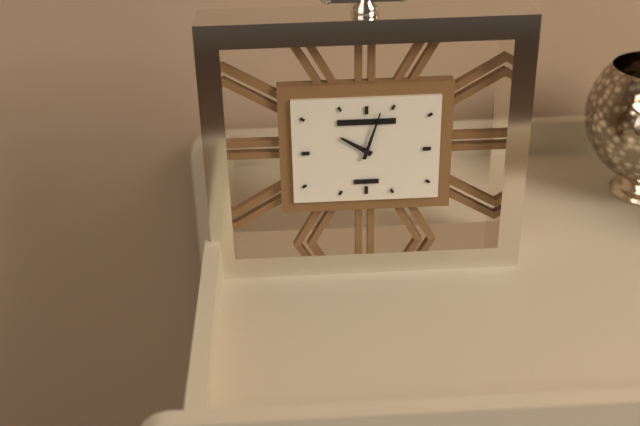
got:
h=10 m=3
